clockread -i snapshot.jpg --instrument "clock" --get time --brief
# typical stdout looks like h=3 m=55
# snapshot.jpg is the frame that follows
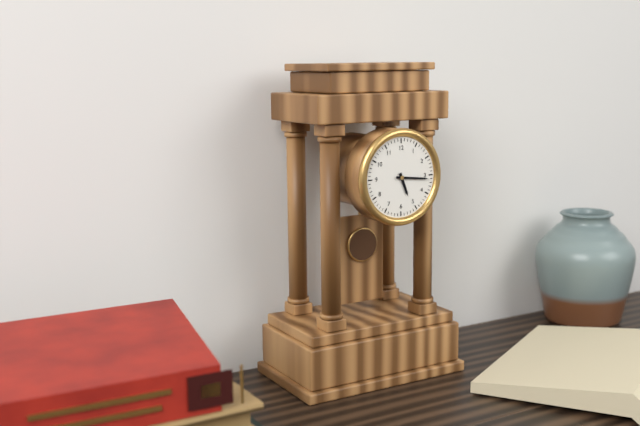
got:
h=5 m=16
